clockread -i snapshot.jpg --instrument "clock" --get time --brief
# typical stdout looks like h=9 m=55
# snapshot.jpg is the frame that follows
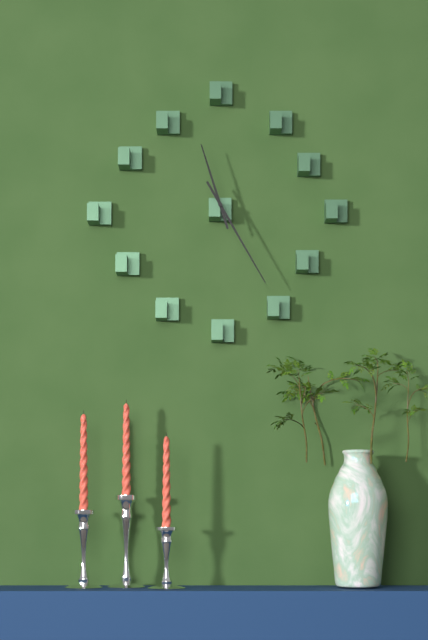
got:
h=11 m=25
